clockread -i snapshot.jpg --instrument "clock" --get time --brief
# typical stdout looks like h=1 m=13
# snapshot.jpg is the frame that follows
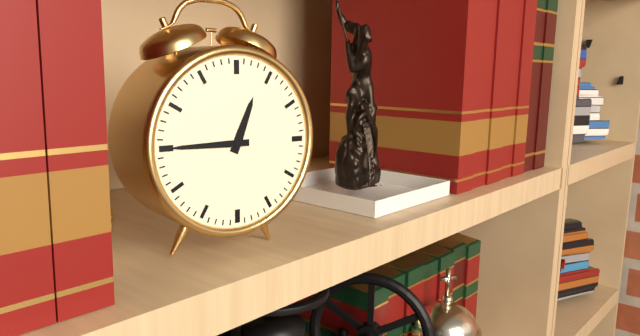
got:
h=12 m=45
